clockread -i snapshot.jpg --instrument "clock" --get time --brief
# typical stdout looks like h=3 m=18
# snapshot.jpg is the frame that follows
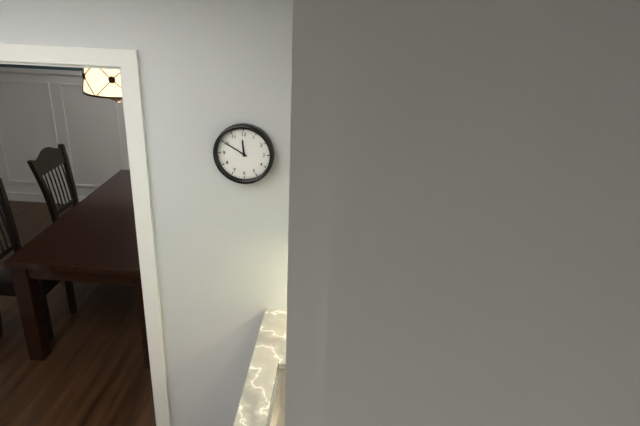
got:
h=11 m=50
